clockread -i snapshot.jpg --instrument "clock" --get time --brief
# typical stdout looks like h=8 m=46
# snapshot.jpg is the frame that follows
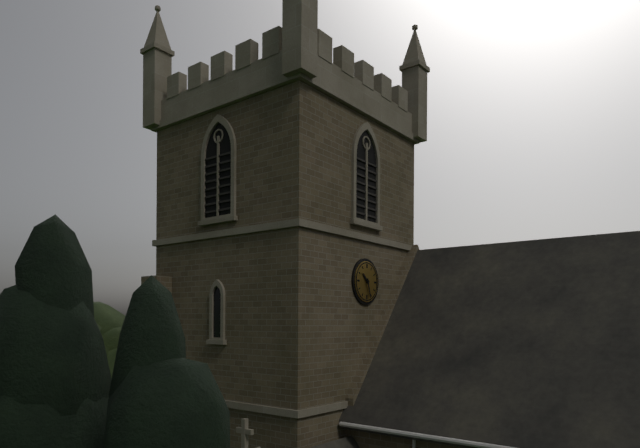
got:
h=10 m=27
